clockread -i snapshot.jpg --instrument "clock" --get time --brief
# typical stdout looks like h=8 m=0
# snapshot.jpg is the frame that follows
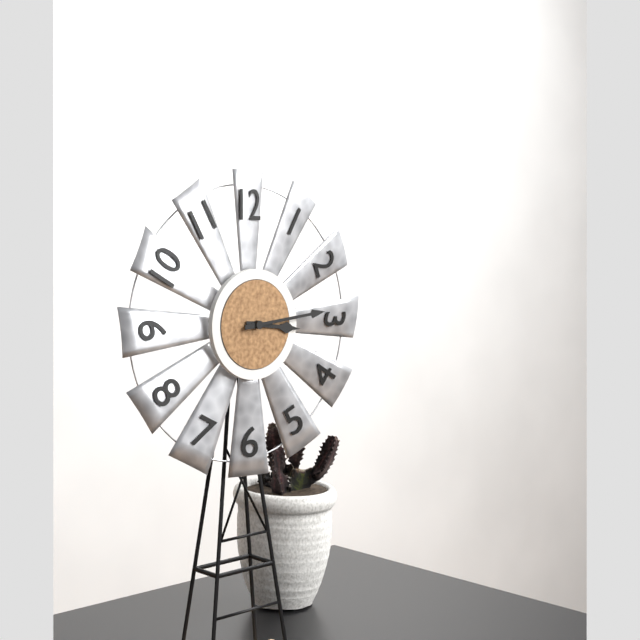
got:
h=3 m=14
